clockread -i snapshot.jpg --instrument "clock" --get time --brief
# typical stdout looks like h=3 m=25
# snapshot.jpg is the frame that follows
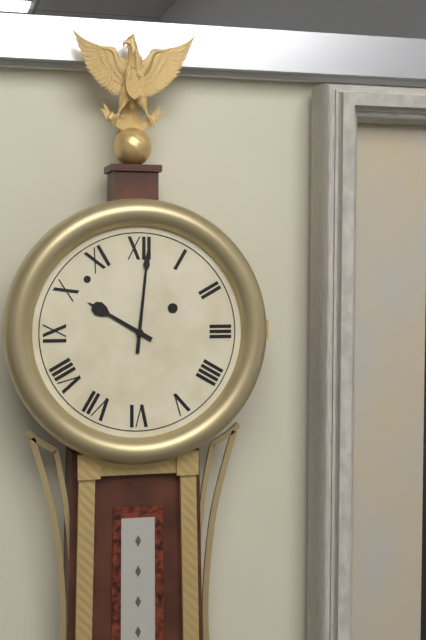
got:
h=10 m=1
